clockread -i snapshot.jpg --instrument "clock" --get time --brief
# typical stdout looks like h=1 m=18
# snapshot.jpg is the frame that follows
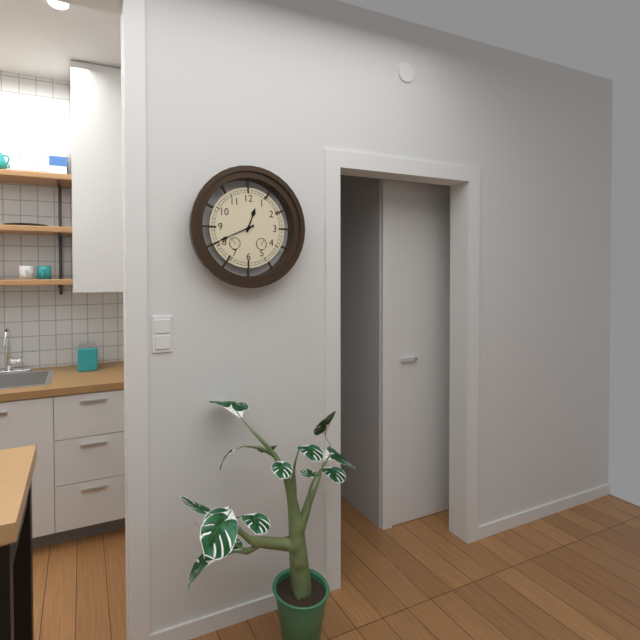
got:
h=12 m=41
